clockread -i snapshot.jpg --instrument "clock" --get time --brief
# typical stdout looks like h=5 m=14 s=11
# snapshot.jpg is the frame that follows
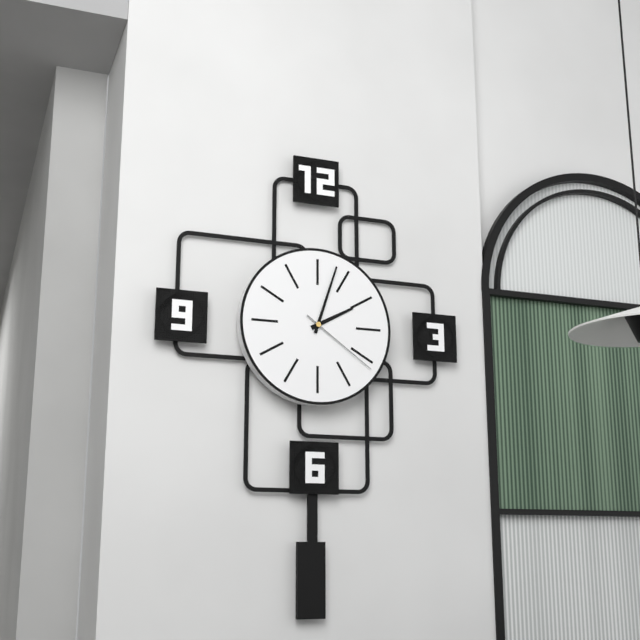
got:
h=2 m=3 s=21
